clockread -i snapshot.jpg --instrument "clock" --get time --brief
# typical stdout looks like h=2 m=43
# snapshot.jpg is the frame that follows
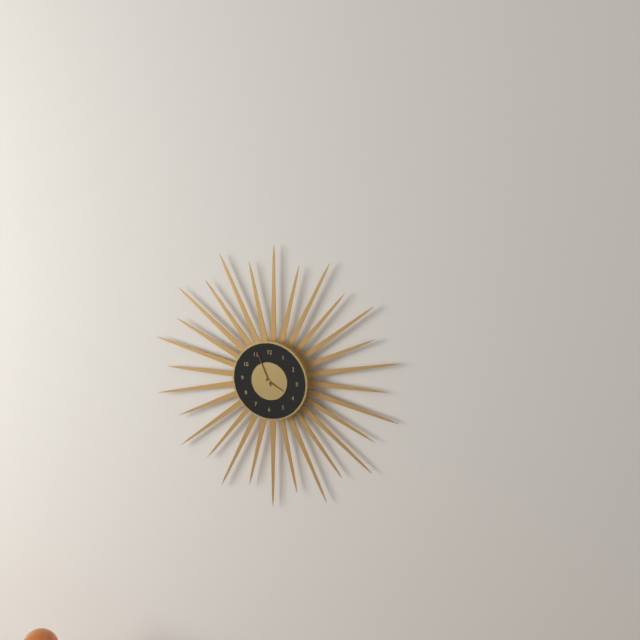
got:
h=3 m=56
